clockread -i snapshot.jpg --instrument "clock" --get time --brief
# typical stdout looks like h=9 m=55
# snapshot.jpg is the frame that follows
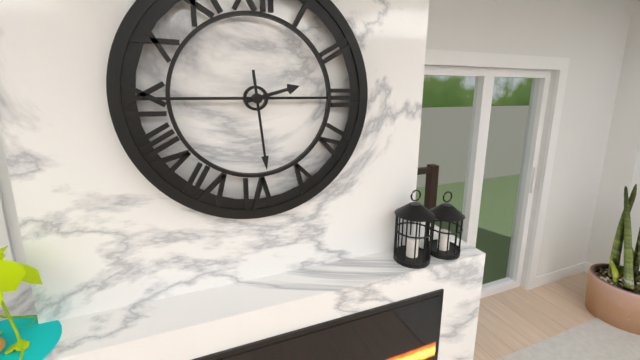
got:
h=2 m=29
